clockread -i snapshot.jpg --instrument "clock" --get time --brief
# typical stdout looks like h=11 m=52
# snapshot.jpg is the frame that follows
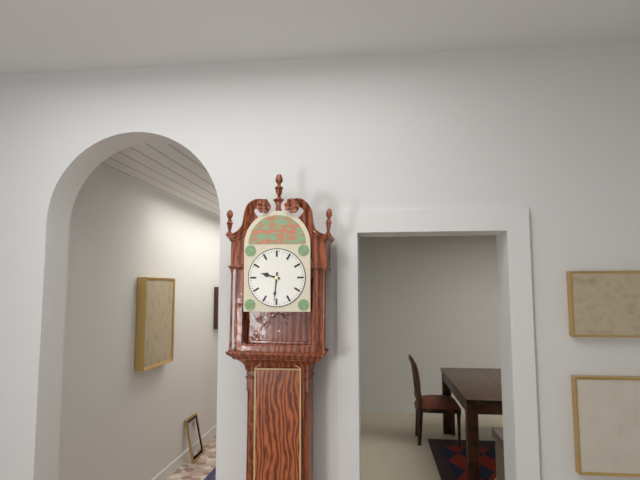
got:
h=9 m=31
